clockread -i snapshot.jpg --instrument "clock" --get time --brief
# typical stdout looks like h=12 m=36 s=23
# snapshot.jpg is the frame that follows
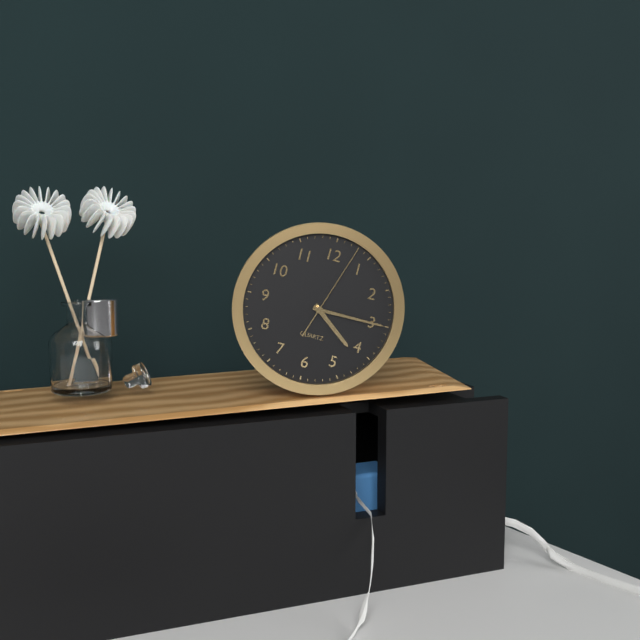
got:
h=4 m=15 s=3
